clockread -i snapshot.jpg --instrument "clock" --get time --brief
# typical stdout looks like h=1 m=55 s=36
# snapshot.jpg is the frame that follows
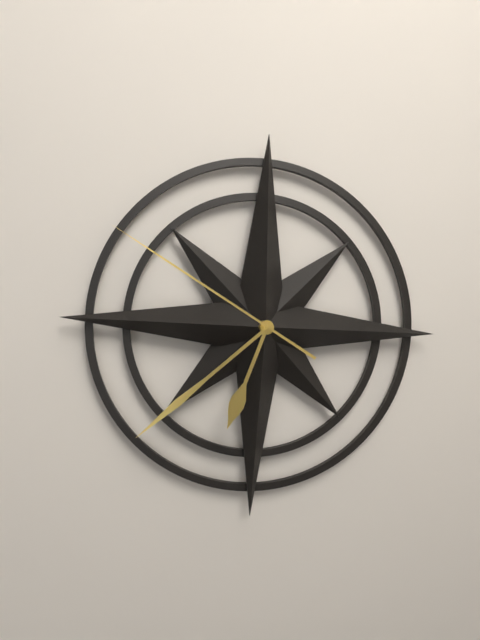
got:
h=6 m=38 s=50
